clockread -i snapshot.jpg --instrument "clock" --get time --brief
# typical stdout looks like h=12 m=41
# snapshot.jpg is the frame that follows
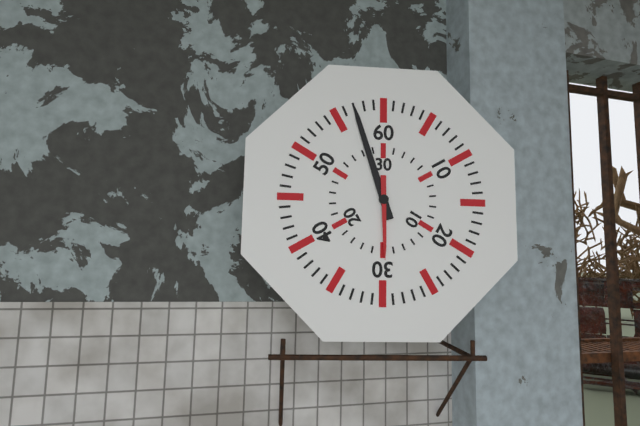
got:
h=5 m=57
